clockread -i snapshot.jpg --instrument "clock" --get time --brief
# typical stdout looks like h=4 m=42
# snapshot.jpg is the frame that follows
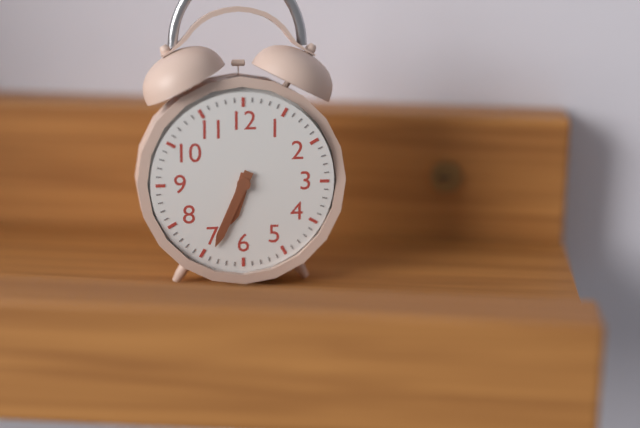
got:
h=6 m=34
